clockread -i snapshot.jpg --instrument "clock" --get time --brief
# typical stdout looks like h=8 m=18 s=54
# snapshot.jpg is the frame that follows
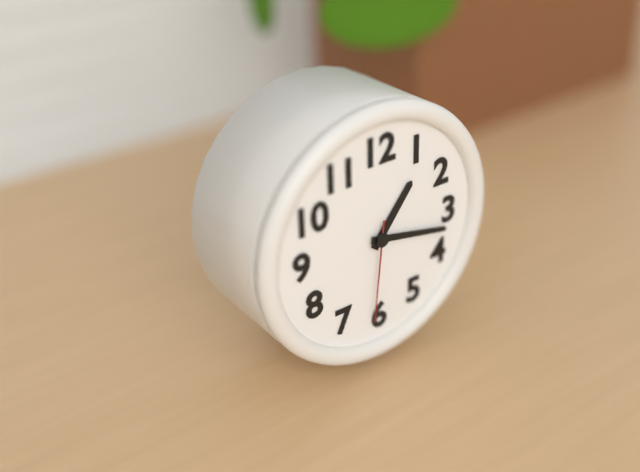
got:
h=1 m=17 s=31
